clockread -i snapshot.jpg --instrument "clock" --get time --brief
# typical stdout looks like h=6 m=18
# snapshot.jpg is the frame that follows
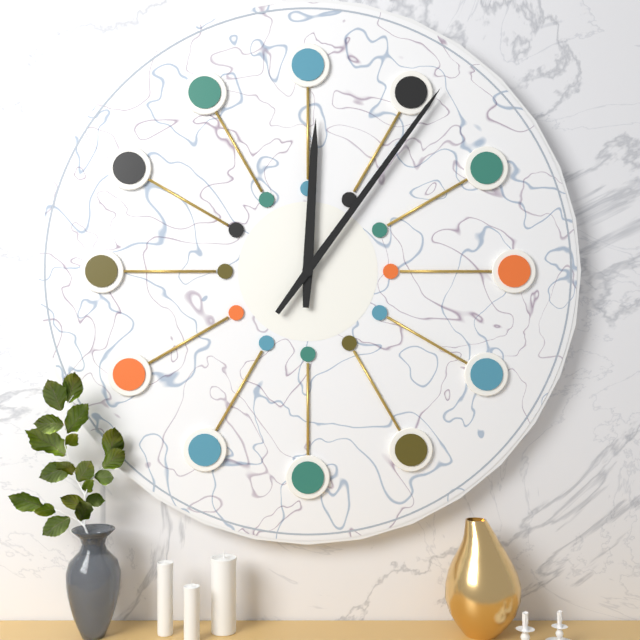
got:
h=12 m=6
